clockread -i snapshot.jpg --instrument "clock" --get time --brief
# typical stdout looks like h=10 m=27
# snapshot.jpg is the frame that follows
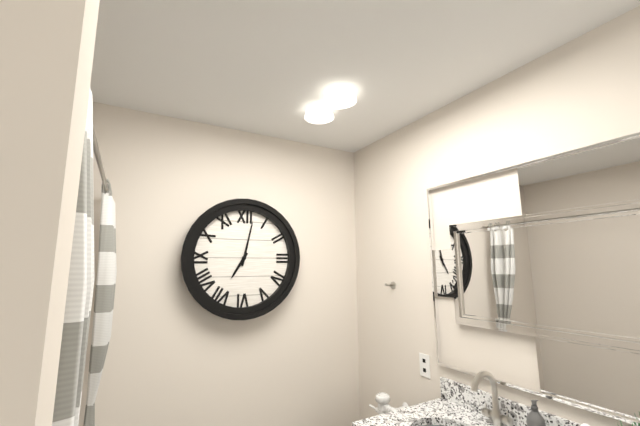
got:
h=7 m=2
